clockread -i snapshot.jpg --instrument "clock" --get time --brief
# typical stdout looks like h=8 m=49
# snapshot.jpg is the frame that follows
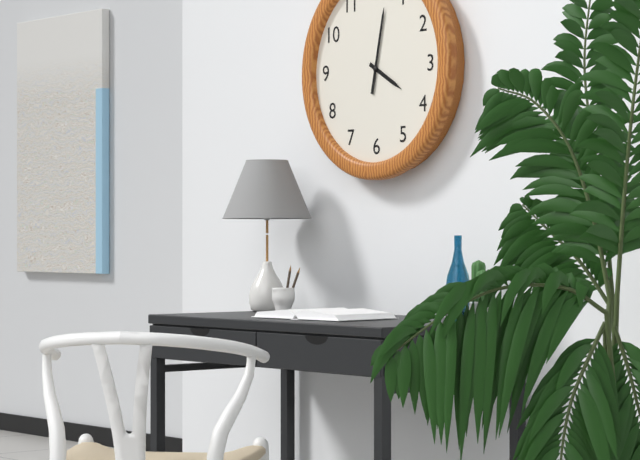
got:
h=4 m=2
